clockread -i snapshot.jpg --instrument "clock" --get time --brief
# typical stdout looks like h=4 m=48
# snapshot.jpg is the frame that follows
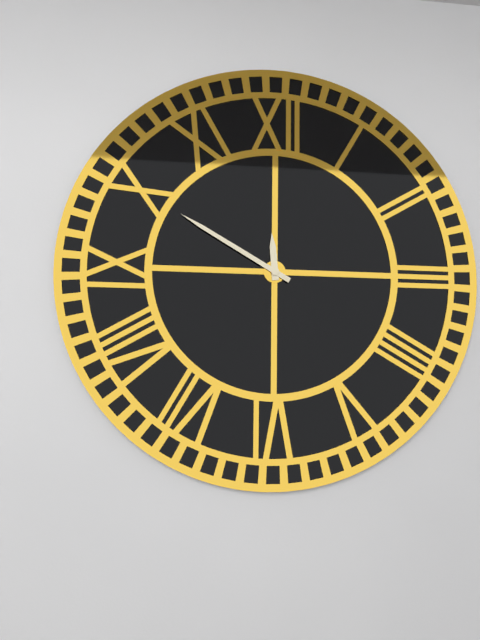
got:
h=11 m=50
